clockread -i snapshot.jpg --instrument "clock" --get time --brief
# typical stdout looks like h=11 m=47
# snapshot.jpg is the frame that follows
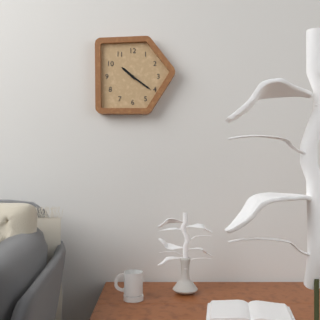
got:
h=10 m=21
